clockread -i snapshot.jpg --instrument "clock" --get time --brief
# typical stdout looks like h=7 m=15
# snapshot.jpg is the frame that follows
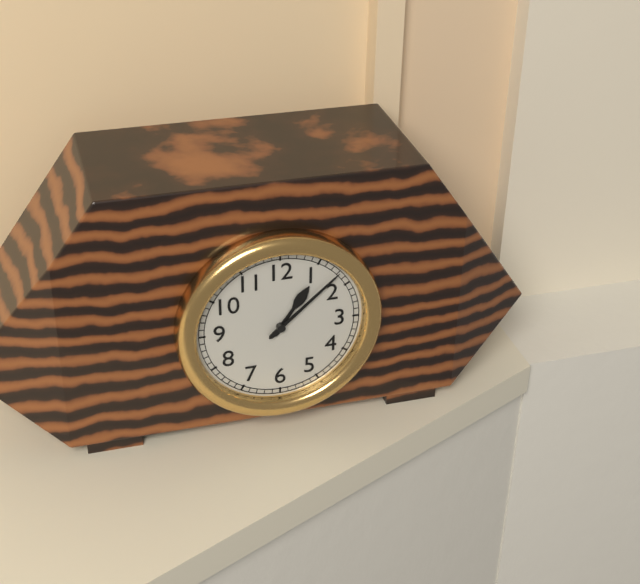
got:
h=1 m=8
